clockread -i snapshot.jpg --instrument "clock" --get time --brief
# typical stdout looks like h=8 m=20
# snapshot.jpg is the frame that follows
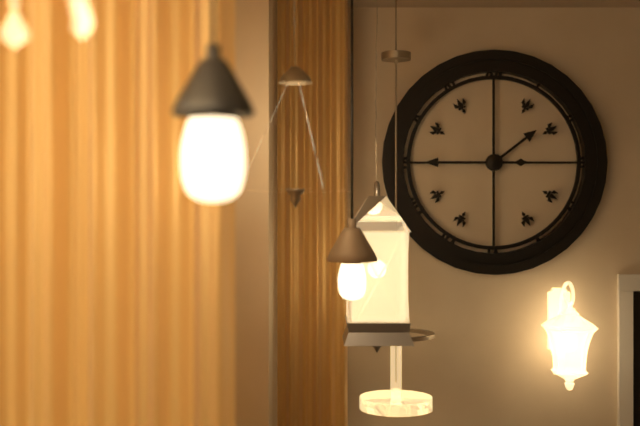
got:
h=1 m=45
